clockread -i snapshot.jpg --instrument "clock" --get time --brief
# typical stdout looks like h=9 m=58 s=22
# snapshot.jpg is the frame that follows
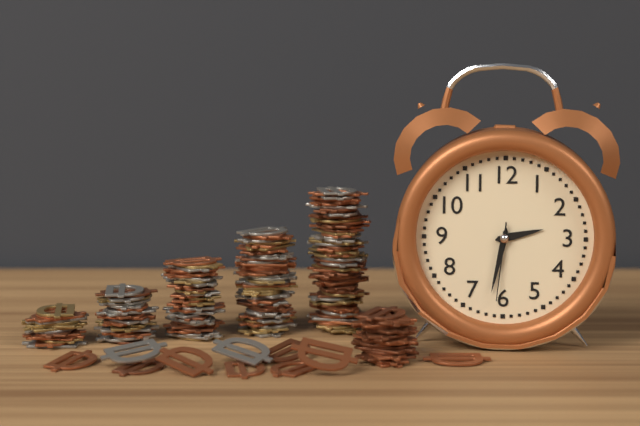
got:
h=2 m=32 s=31
